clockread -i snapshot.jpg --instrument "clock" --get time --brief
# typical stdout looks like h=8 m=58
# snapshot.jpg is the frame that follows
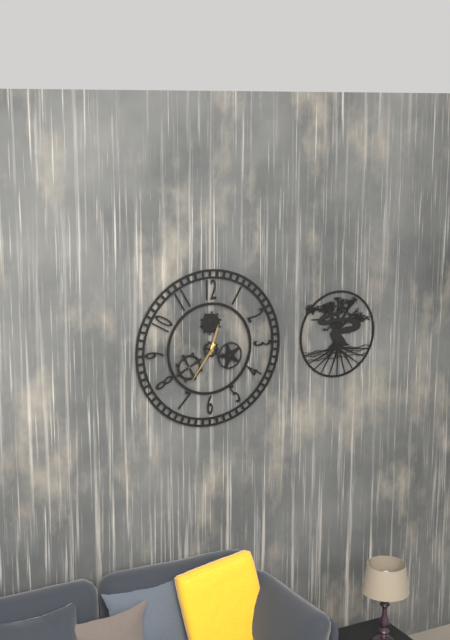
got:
h=12 m=36
